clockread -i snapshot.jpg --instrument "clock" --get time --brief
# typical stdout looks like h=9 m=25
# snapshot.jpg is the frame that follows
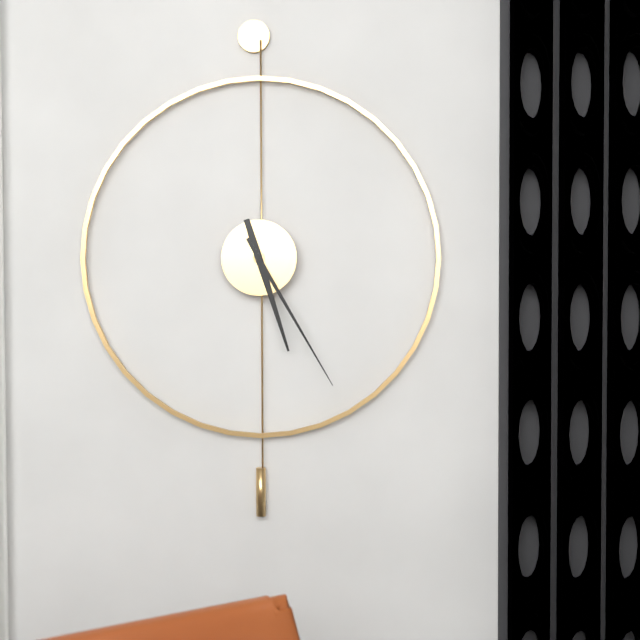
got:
h=5 m=25
